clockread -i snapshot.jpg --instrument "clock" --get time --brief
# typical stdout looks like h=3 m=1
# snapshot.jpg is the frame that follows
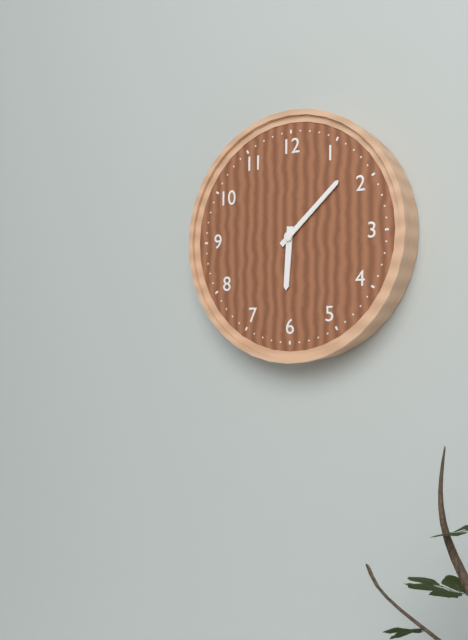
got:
h=6 m=8
